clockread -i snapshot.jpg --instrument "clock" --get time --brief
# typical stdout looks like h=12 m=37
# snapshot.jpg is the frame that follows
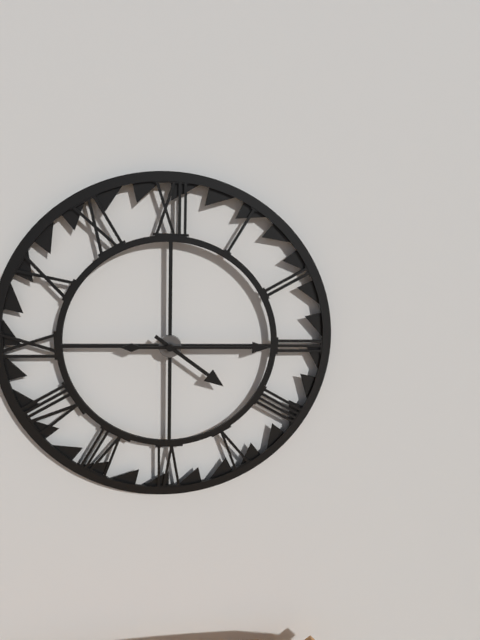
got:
h=4 m=15
